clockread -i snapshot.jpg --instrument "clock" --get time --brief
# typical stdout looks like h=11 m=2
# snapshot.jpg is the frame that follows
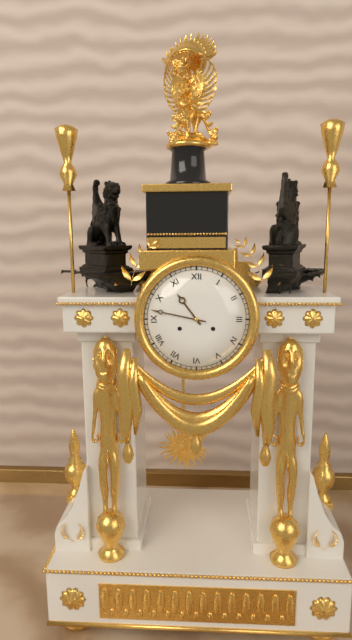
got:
h=10 m=47
